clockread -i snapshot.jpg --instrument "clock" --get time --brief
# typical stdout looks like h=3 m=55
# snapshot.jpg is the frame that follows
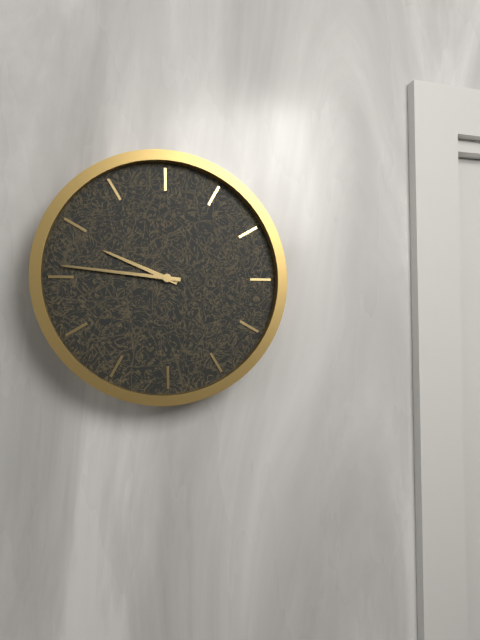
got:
h=9 m=46
